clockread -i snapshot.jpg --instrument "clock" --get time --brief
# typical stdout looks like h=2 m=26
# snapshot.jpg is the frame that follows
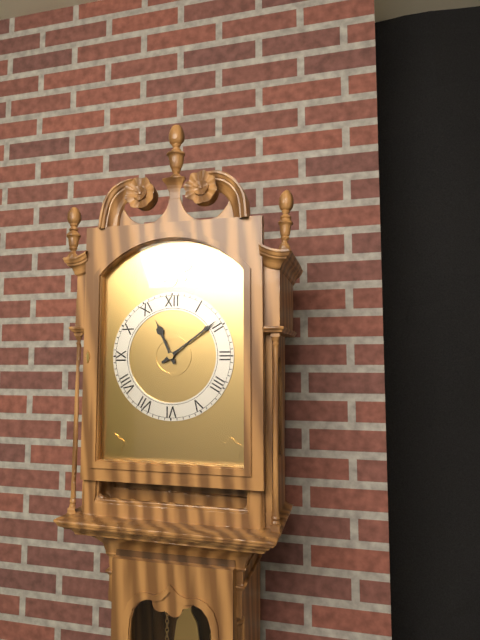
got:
h=11 m=9
